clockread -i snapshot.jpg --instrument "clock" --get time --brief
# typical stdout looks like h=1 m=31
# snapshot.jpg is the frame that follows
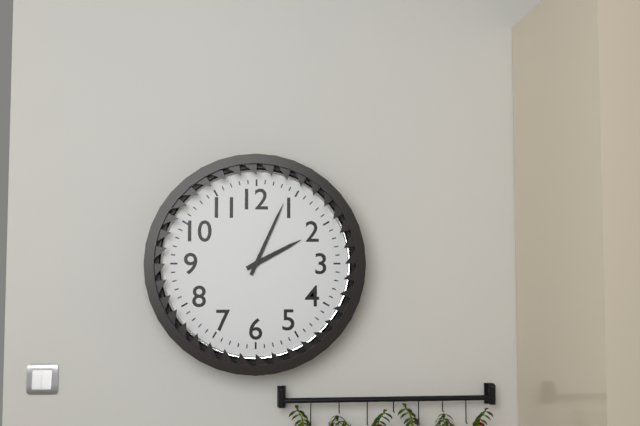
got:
h=2 m=4
